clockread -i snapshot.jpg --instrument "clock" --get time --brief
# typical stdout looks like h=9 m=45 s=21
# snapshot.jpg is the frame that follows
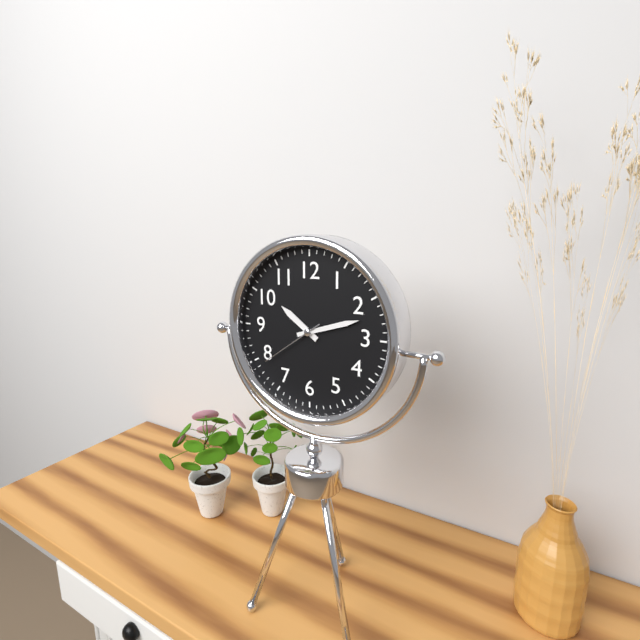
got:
h=10 m=12 s=39
